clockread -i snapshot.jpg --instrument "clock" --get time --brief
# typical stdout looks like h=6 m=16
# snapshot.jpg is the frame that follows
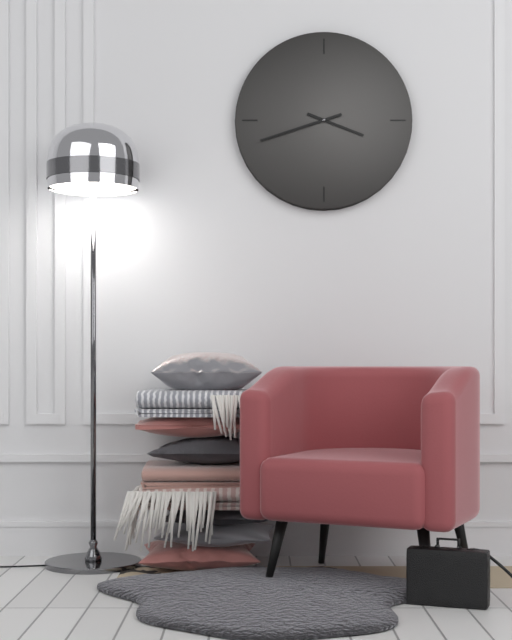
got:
h=3 m=42
